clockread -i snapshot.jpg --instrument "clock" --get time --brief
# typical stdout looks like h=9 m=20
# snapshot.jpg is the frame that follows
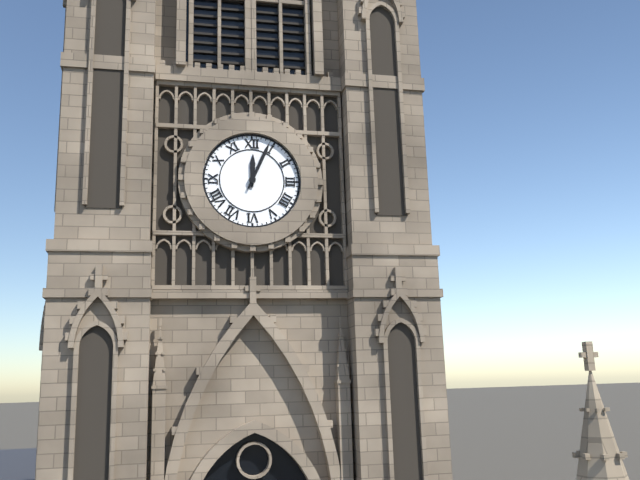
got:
h=12 m=4
